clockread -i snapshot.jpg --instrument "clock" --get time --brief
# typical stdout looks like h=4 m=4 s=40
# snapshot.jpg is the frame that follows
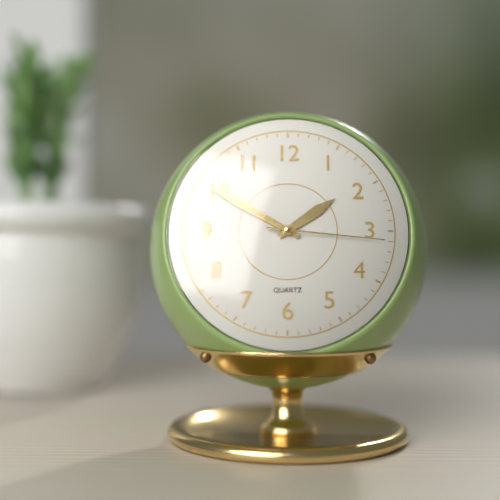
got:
h=1 m=50 s=16
